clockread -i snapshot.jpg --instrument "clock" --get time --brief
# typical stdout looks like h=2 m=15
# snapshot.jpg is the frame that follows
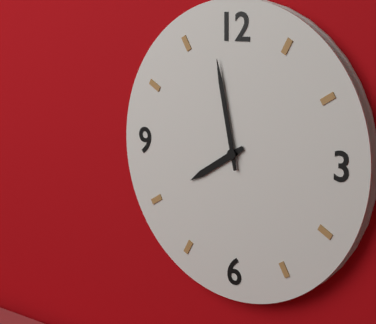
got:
h=7 m=58
